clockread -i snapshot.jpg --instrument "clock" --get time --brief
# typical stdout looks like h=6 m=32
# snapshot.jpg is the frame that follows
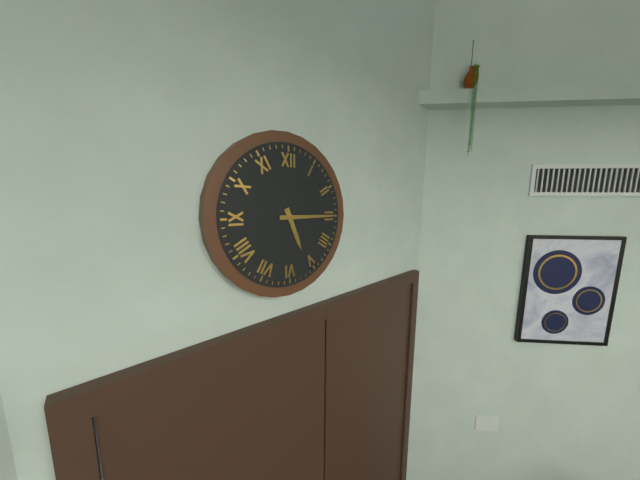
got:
h=5 m=15
